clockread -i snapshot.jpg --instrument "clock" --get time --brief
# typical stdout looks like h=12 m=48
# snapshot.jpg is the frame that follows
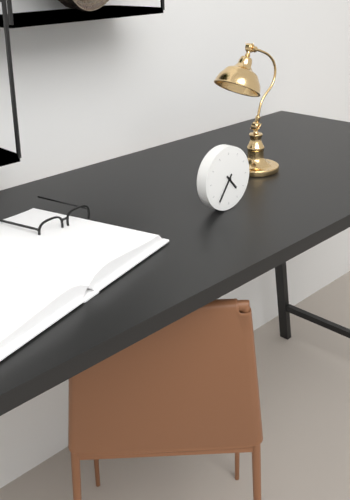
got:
h=4 m=36
